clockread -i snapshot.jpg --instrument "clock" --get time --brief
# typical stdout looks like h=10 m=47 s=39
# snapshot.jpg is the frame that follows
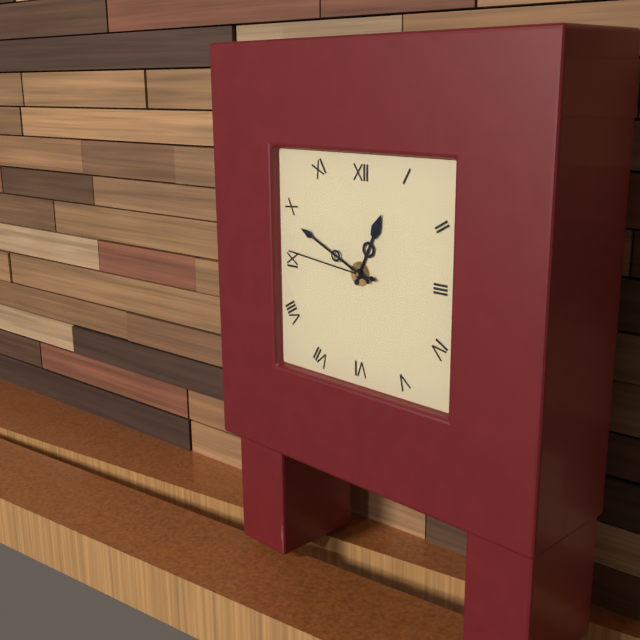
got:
h=12 m=49 s=46
